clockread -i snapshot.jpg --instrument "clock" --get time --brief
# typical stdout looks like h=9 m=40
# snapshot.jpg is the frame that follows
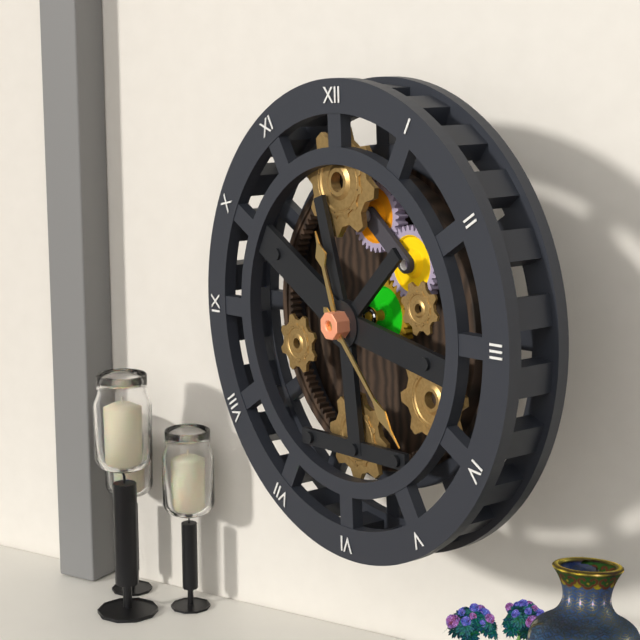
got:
h=11 m=23
